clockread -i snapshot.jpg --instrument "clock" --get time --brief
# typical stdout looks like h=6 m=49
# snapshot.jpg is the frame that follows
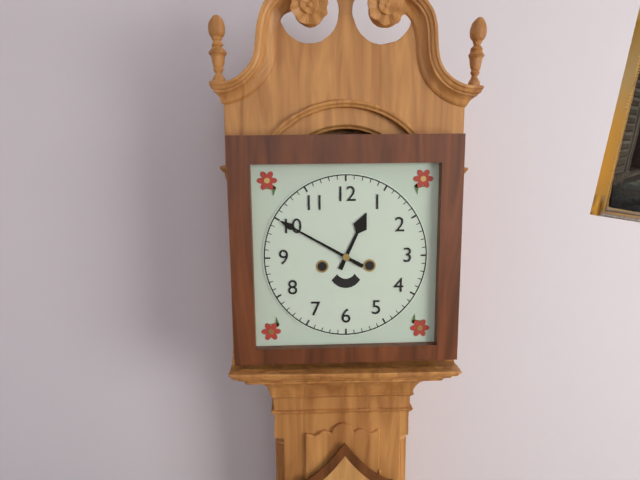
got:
h=12 m=50
